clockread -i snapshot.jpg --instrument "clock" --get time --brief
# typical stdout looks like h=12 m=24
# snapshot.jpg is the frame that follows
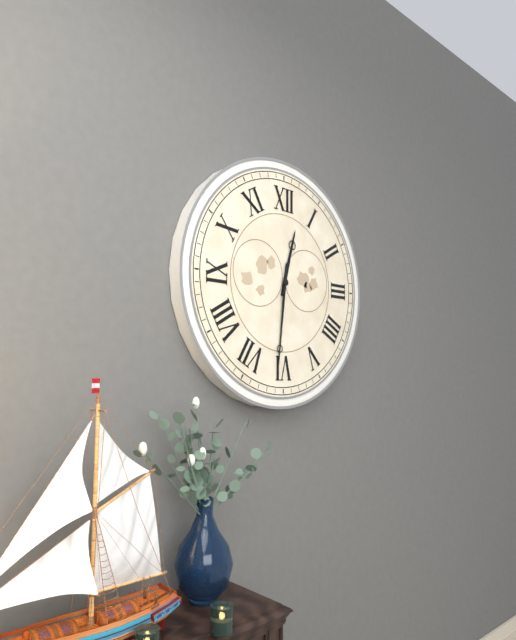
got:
h=12 m=31
